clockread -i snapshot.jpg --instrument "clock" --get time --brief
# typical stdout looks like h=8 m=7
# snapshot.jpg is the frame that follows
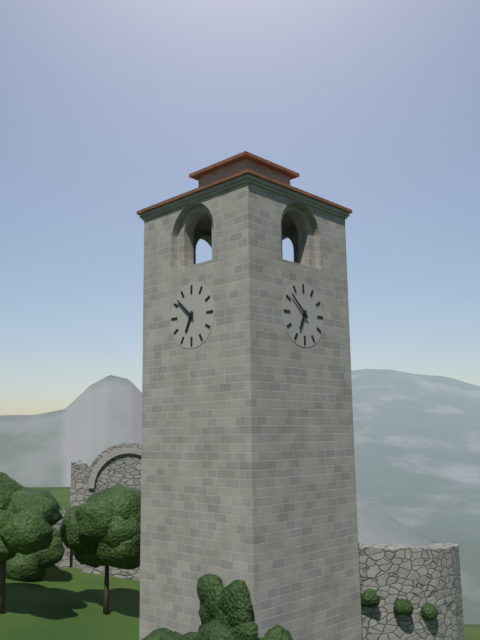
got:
h=6 m=52
